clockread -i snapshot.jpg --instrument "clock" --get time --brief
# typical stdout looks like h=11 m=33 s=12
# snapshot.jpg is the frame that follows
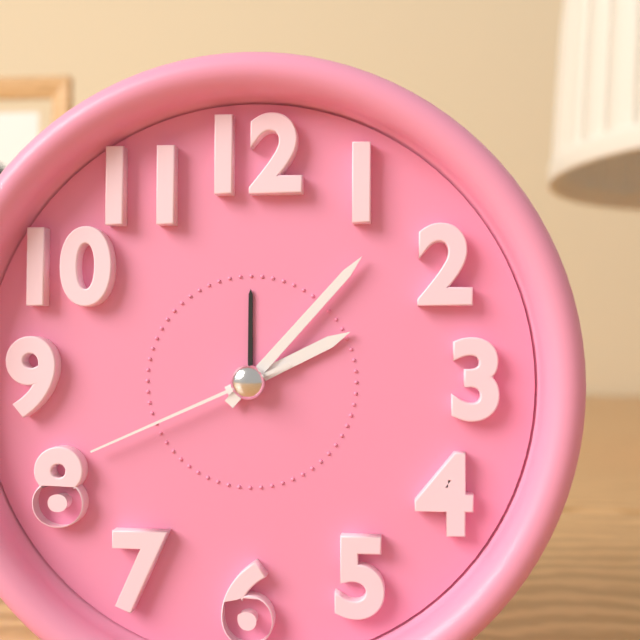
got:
h=2 m=7 s=41
